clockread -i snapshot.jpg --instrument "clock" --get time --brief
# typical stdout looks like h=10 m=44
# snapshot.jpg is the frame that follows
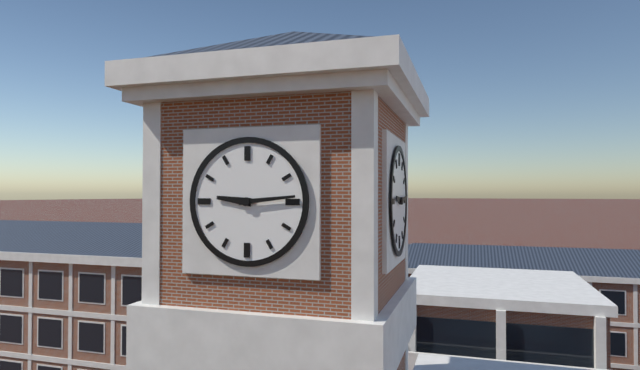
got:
h=9 m=14
